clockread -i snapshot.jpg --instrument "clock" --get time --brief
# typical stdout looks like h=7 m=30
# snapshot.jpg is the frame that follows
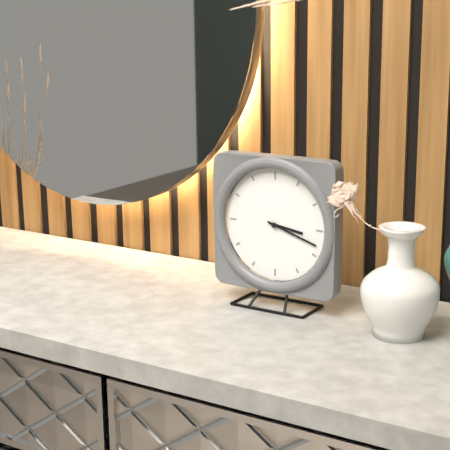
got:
h=3 m=18
